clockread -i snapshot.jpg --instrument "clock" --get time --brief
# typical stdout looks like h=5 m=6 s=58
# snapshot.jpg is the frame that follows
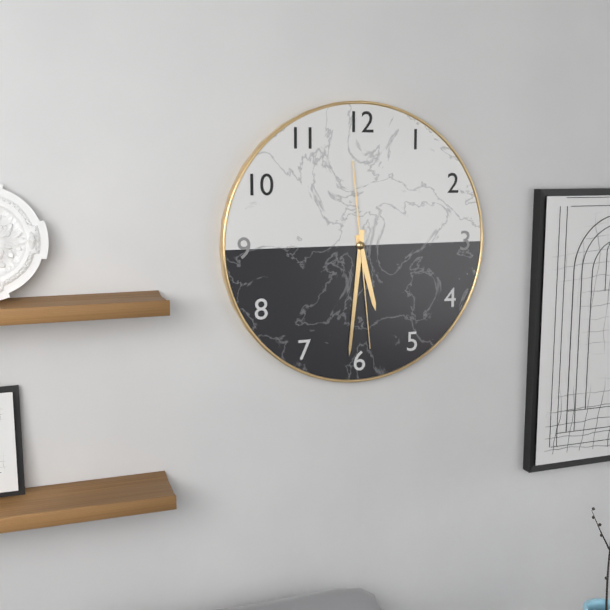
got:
h=5 m=31 s=29
